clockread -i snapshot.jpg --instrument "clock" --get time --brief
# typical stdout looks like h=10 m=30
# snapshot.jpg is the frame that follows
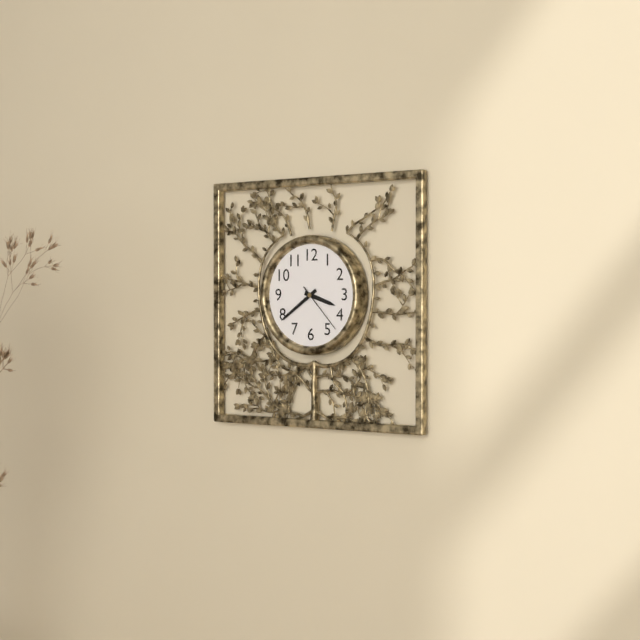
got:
h=3 m=39
